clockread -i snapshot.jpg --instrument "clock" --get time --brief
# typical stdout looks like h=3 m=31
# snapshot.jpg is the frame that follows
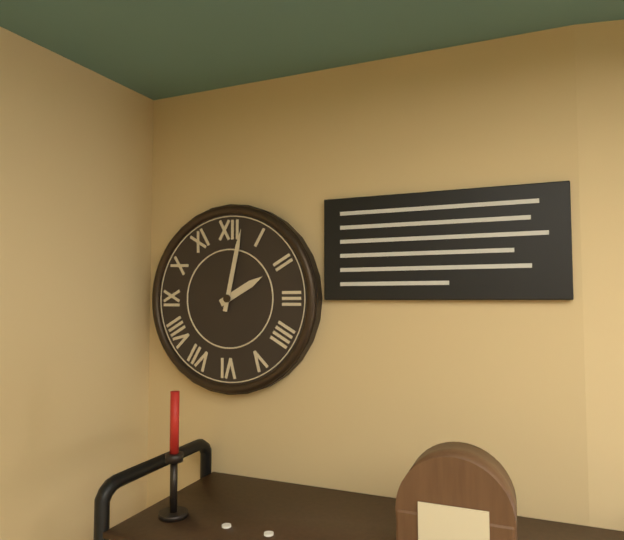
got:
h=2 m=2
